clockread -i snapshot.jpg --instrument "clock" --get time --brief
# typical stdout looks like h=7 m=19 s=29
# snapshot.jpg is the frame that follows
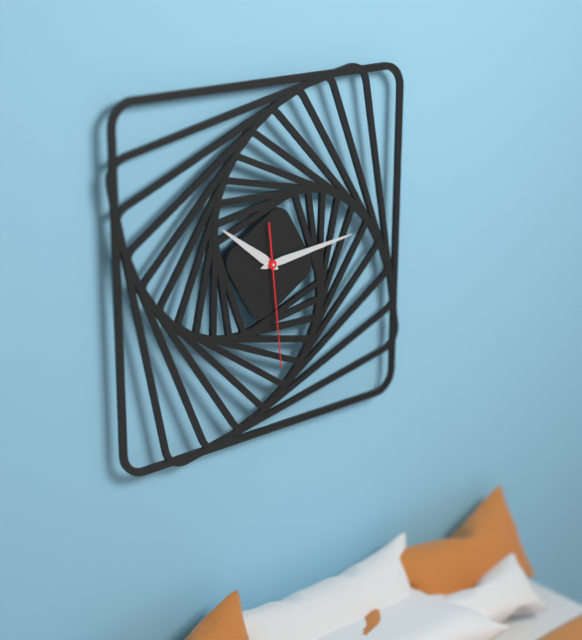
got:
h=10 m=14 s=29
